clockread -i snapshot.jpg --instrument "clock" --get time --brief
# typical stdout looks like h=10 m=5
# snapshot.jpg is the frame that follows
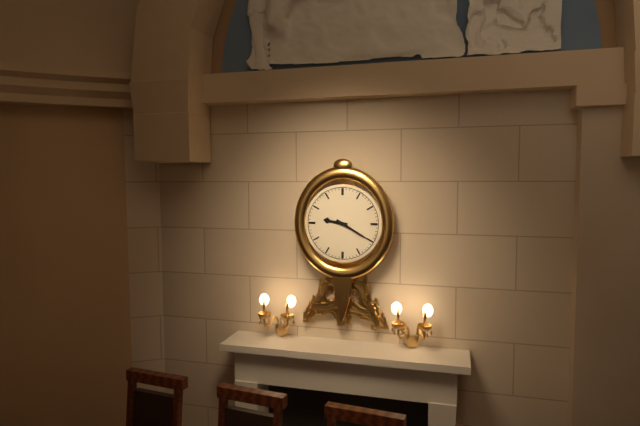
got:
h=9 m=20
